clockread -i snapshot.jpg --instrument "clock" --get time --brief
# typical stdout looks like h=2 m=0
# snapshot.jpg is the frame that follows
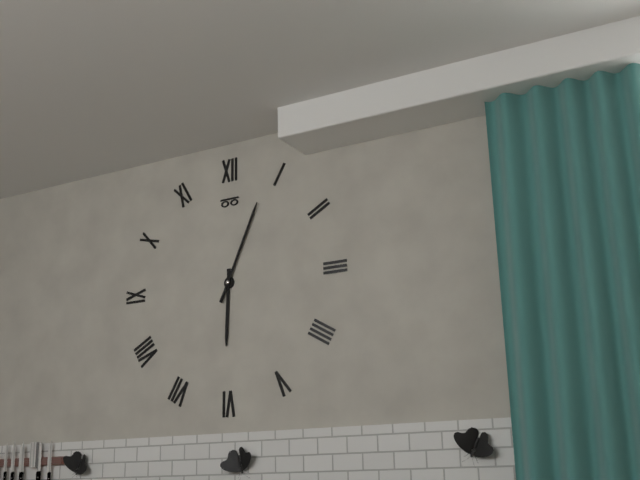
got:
h=6 m=4
